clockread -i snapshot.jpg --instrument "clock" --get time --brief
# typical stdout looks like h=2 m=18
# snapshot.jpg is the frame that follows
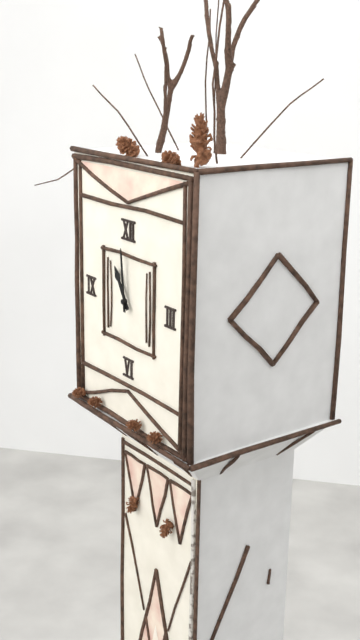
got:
h=10 m=59
